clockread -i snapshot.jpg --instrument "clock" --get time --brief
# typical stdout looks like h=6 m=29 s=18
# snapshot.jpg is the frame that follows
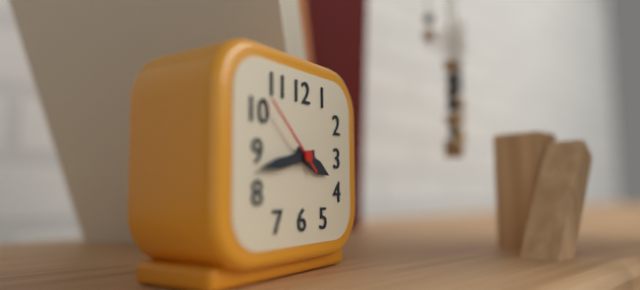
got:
h=3 m=43 s=52
